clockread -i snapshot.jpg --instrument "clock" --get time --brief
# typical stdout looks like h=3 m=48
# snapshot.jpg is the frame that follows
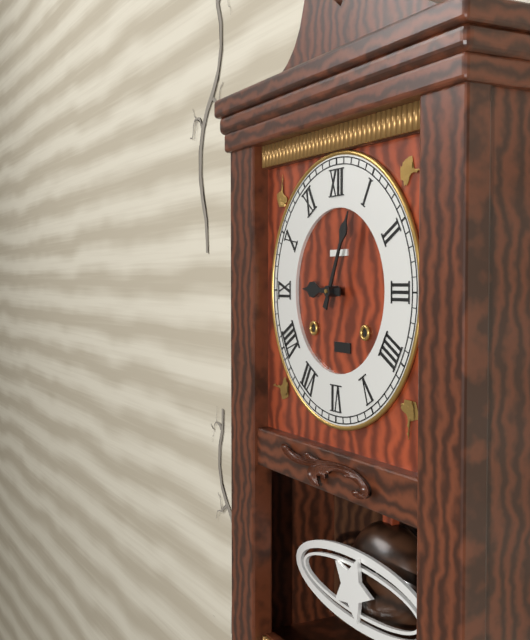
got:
h=9 m=4
